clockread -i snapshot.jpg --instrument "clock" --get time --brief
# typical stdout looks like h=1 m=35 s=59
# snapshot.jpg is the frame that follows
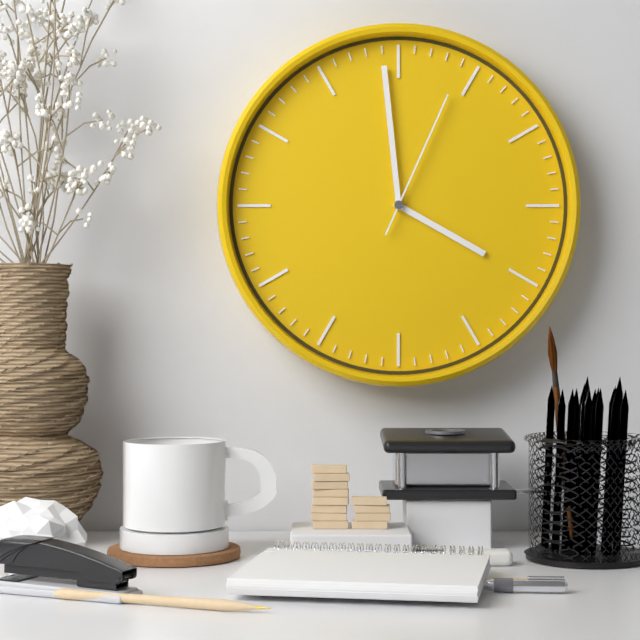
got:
h=3 m=59 s=4
